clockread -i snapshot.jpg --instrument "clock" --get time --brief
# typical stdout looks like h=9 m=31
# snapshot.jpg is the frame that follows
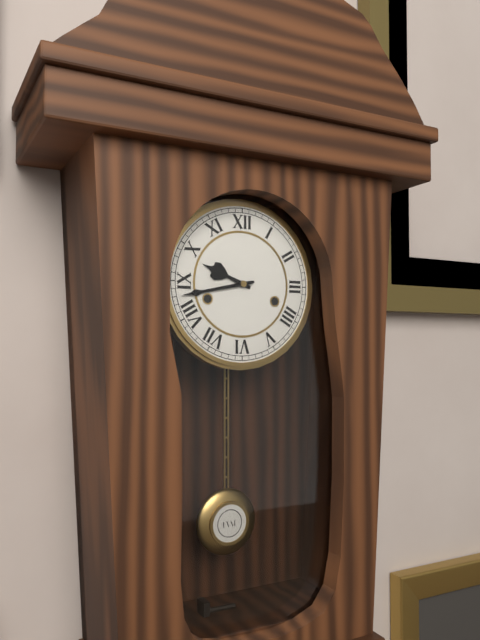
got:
h=9 m=43
